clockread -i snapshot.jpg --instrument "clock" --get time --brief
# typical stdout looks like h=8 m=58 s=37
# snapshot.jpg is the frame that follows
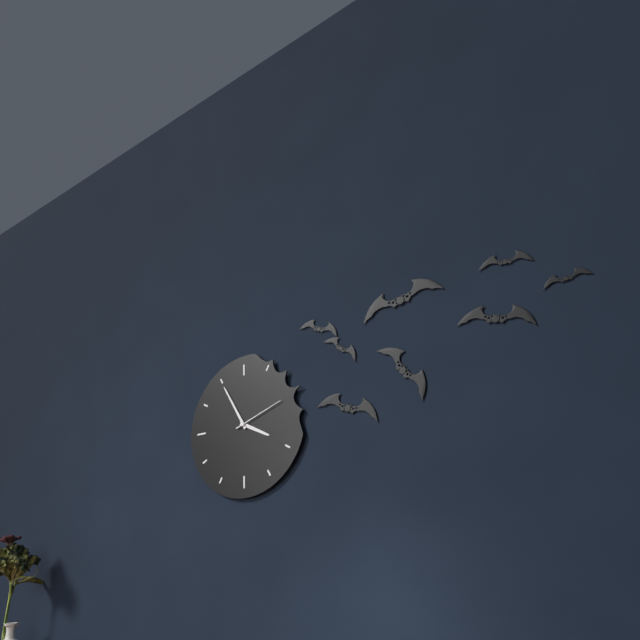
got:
h=3 m=55 s=12
